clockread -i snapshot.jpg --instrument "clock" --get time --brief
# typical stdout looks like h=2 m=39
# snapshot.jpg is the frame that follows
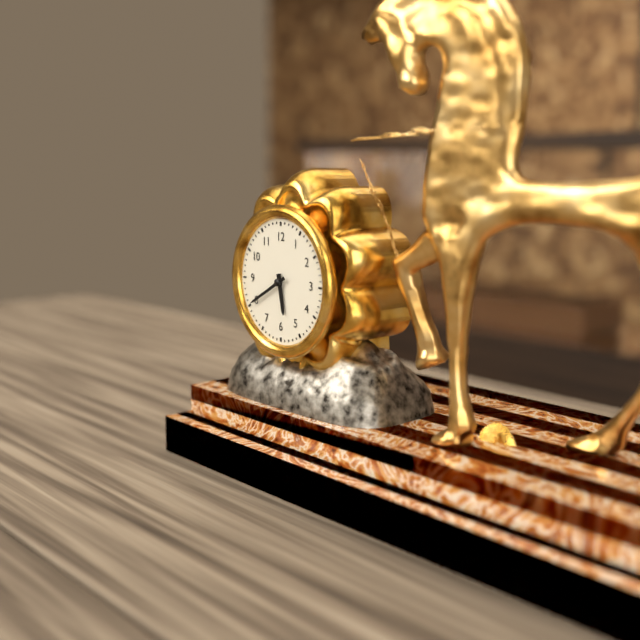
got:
h=5 m=40
